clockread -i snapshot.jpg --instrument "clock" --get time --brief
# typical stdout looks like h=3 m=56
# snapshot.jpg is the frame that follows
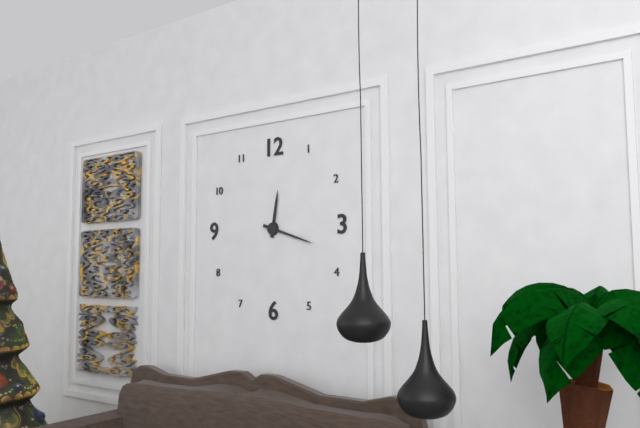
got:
h=12 m=18
